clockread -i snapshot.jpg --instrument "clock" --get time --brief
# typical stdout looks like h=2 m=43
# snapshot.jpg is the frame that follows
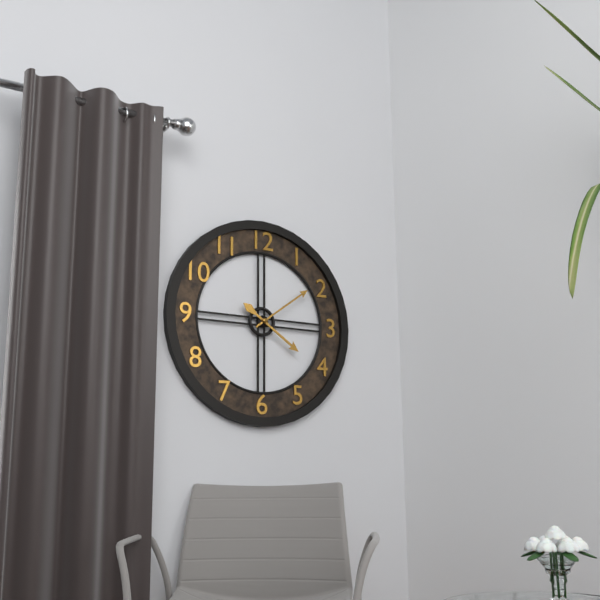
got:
h=4 m=9
